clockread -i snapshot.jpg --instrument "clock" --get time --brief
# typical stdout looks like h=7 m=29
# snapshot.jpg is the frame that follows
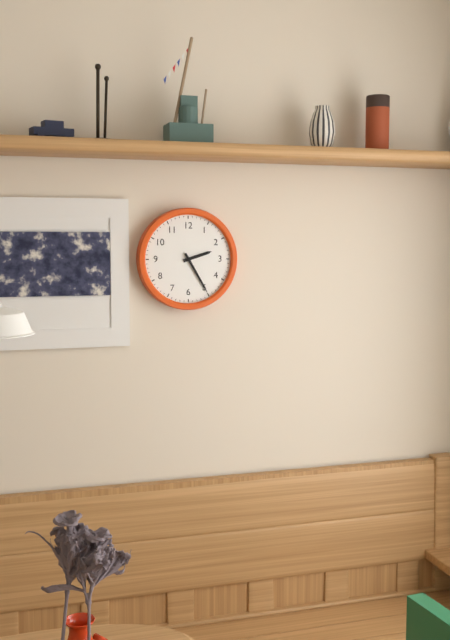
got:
h=2 m=25
